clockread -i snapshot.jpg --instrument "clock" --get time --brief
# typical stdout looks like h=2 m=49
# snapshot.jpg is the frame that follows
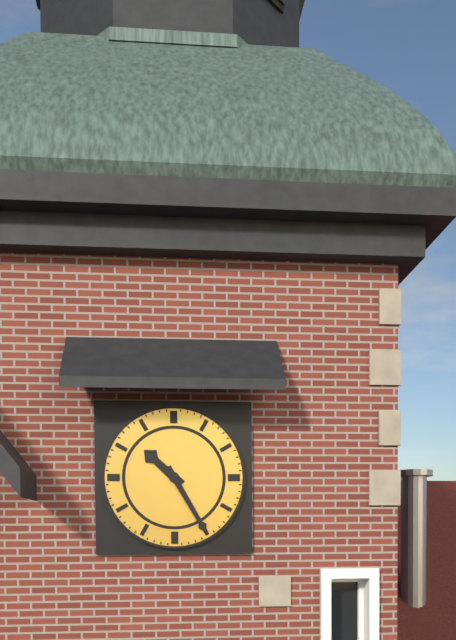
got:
h=10 m=25
